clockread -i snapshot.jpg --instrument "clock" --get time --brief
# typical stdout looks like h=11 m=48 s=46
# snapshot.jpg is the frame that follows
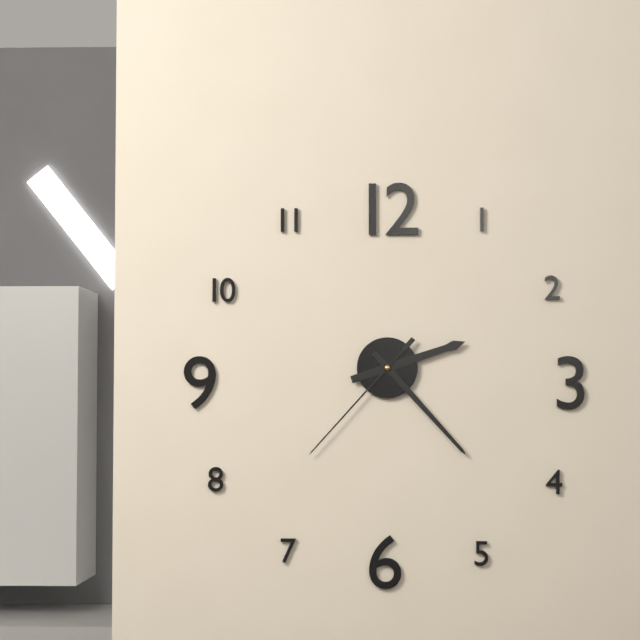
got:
h=2 m=23 s=37
